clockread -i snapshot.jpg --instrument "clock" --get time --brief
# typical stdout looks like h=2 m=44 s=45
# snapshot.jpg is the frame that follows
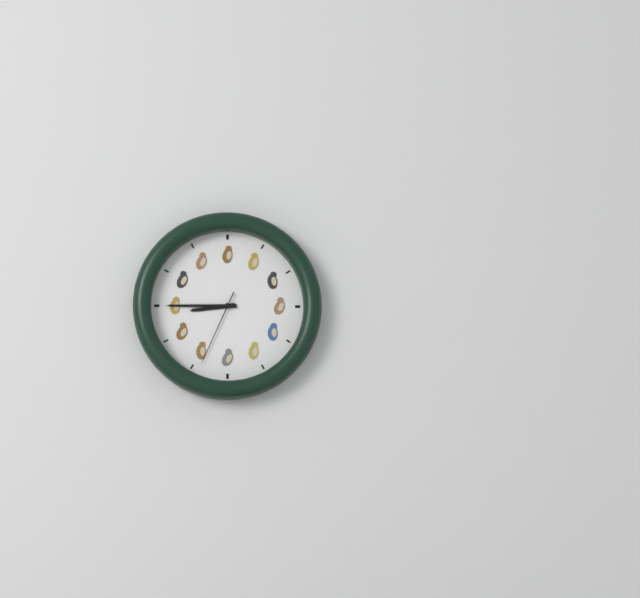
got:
h=8 m=45 s=34
